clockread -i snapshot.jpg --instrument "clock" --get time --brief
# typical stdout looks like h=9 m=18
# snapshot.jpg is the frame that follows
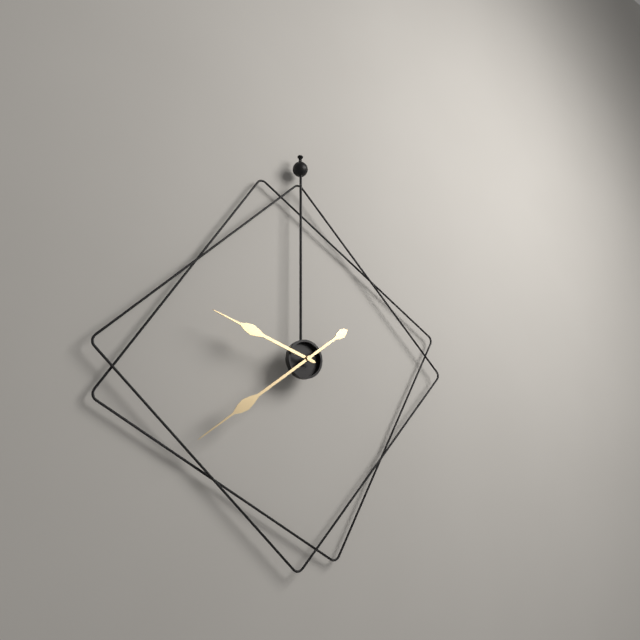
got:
h=9 m=39
